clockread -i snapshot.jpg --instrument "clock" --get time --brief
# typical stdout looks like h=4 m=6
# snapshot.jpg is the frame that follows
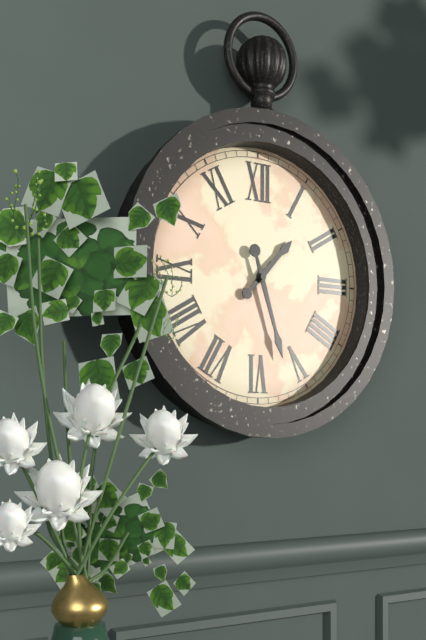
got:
h=1 m=27
